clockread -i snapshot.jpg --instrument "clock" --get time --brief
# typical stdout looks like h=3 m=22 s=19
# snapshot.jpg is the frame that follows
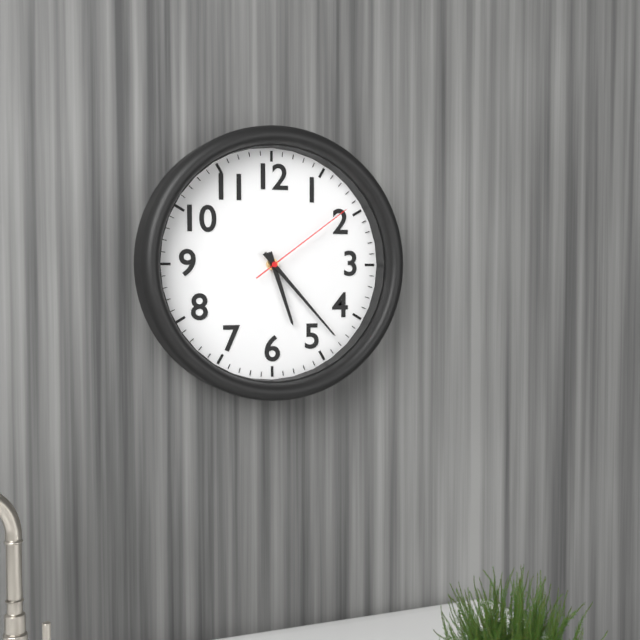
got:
h=5 m=23 s=9
